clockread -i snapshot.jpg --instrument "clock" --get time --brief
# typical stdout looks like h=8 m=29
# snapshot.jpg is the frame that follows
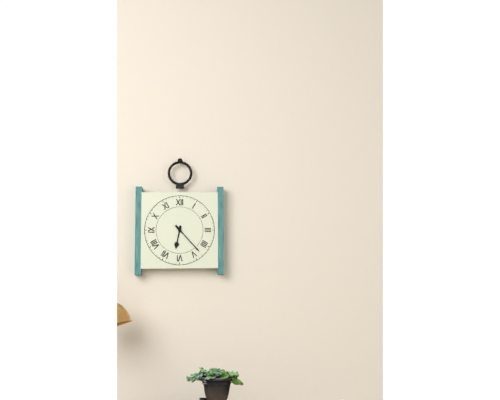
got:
h=6 m=23
